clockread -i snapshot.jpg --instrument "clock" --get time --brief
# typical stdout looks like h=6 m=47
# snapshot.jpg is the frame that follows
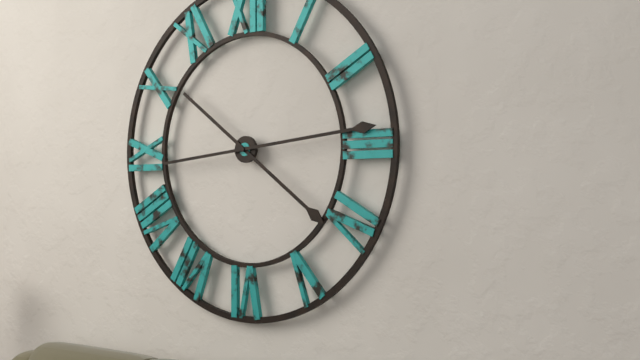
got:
h=4 m=14
